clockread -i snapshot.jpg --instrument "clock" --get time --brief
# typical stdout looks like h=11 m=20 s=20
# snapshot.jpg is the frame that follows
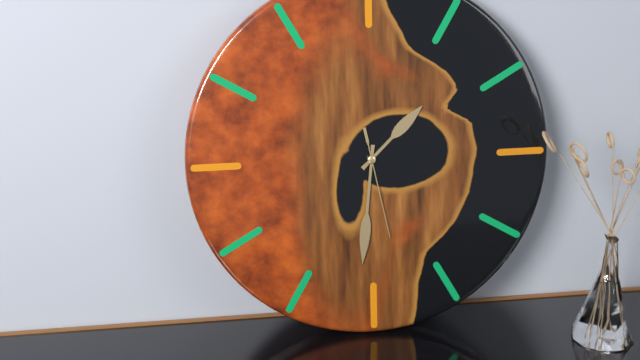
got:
h=1 m=31 s=28
